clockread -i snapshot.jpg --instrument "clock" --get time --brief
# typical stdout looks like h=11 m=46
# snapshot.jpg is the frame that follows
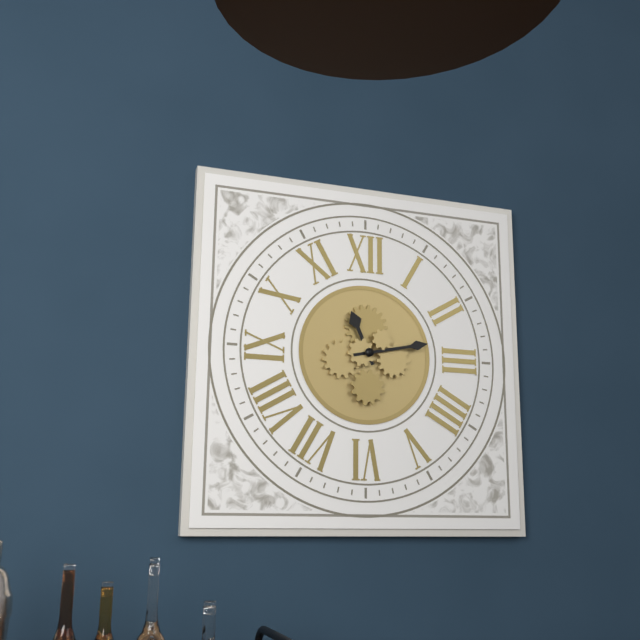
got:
h=11 m=13
